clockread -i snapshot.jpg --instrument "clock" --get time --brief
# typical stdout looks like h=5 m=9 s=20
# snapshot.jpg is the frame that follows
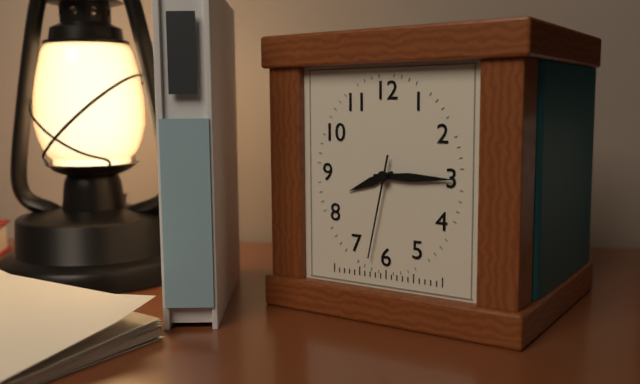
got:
h=8 m=15 s=32
